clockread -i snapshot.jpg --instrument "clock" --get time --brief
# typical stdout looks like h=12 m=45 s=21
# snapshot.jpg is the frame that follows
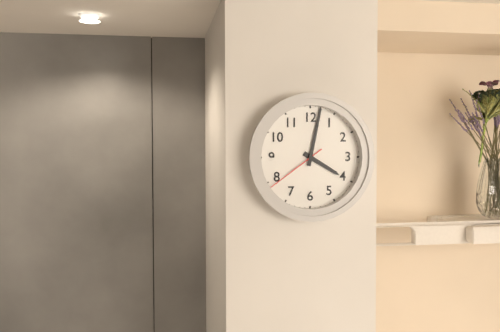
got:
h=4 m=2 s=39
